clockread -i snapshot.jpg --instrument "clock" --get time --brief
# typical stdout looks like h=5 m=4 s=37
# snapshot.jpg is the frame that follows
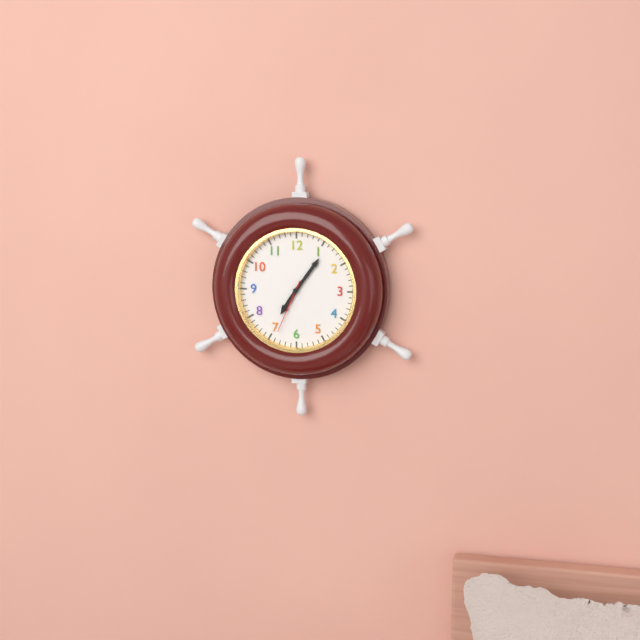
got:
h=7 m=6 s=34
